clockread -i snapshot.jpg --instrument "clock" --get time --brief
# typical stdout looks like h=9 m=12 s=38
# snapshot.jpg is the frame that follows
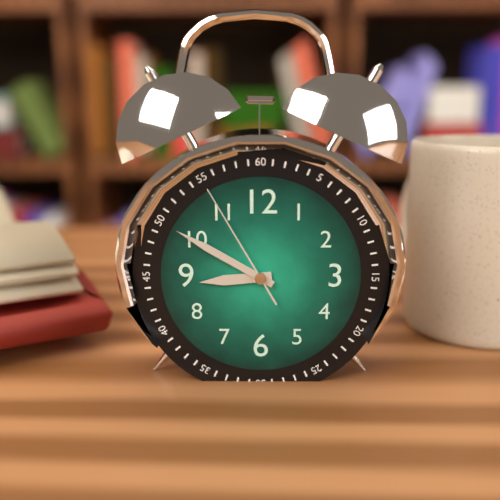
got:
h=8 m=50 s=55
